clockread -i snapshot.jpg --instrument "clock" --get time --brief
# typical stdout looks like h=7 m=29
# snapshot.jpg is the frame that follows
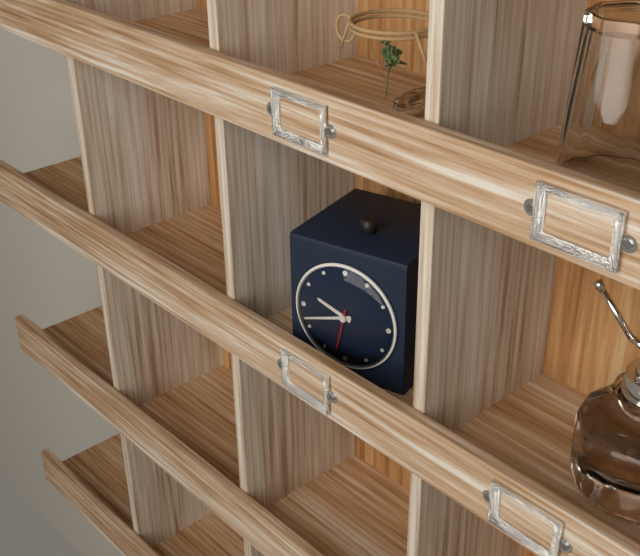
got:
h=9 m=42
